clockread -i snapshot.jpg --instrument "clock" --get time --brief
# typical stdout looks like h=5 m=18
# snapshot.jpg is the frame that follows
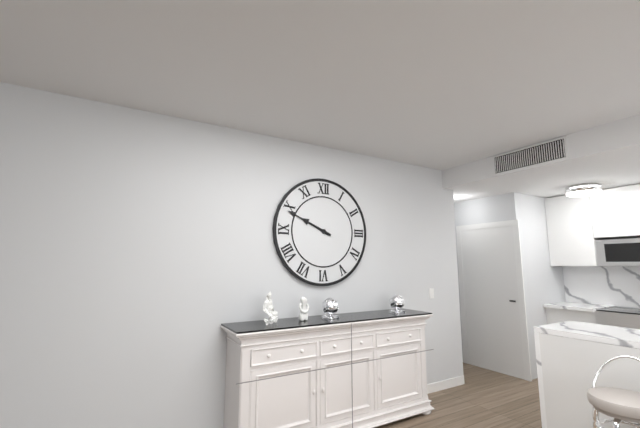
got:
h=9 m=49
